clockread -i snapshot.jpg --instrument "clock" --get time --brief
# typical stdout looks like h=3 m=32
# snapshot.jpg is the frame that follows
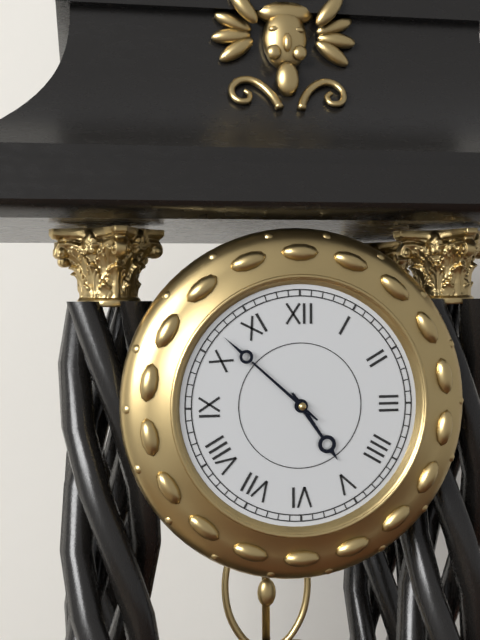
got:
h=4 m=52
